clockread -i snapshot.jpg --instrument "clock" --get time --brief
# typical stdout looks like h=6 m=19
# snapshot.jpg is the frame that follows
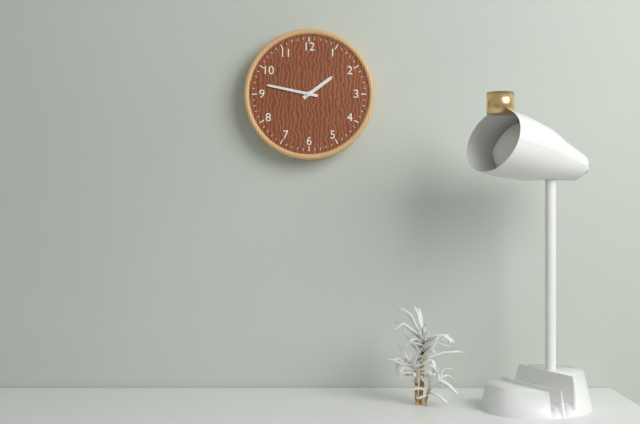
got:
h=1 m=47
